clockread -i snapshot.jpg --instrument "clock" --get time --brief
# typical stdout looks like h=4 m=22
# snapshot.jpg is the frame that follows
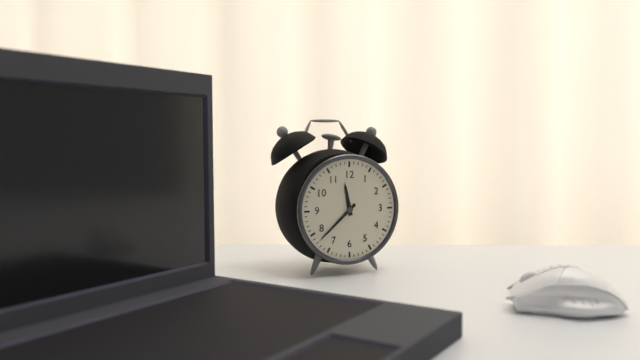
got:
h=11 m=38
